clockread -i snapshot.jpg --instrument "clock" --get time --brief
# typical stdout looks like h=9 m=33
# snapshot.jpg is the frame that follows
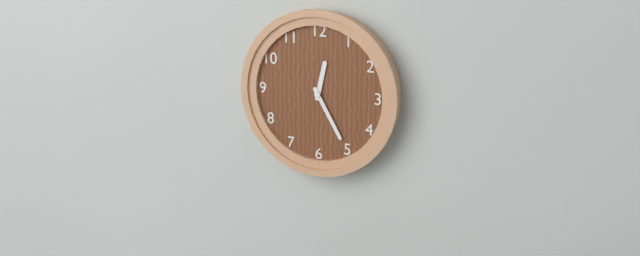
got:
h=12 m=25
